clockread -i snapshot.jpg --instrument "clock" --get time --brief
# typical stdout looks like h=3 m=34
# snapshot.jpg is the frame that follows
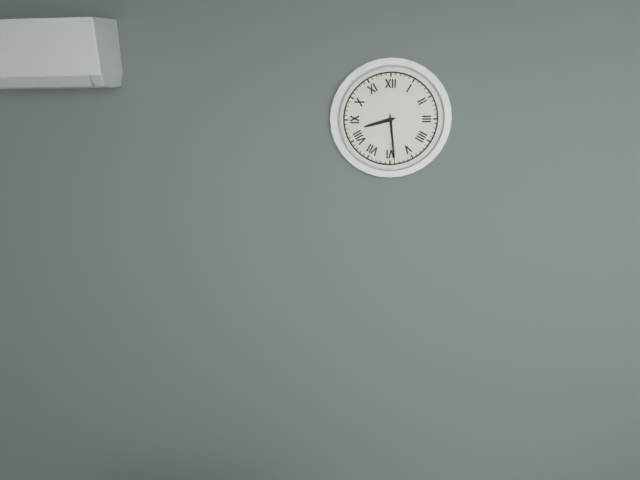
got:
h=8 m=29
